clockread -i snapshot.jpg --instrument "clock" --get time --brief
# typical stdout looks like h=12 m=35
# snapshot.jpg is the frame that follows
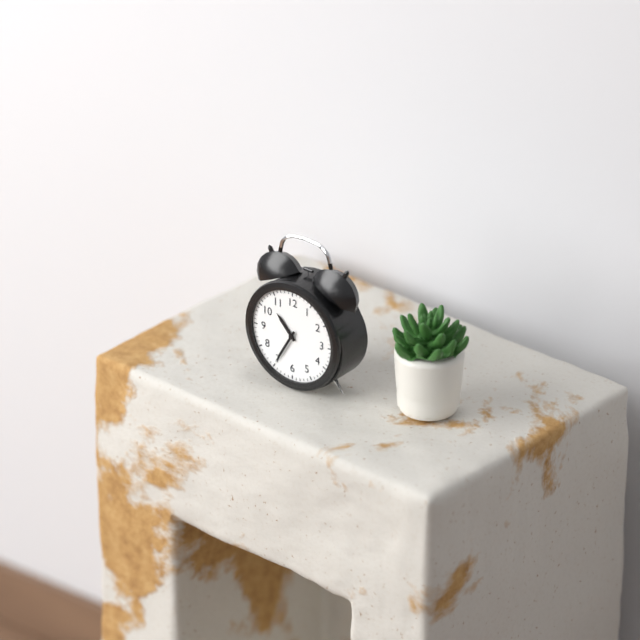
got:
h=10 m=35
